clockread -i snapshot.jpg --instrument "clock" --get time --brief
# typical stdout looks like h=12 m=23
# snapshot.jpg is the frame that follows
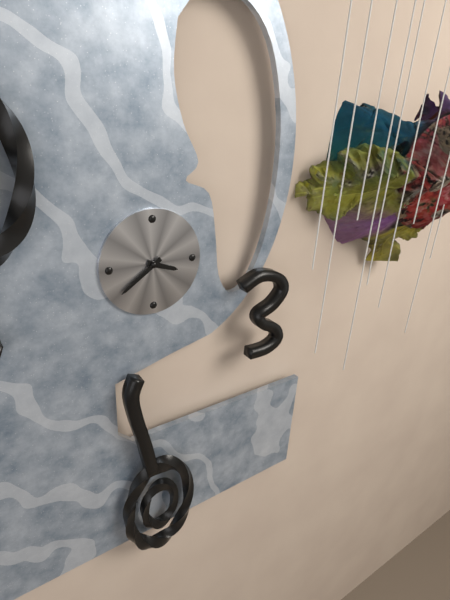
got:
h=3 m=39
